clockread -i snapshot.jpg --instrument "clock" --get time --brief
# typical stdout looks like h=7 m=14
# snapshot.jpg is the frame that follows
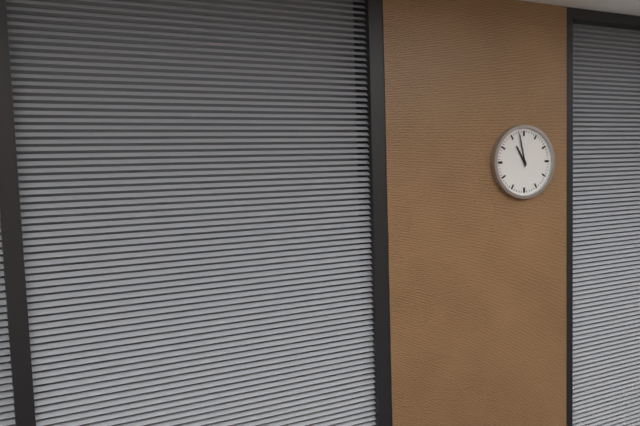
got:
h=10 m=58
